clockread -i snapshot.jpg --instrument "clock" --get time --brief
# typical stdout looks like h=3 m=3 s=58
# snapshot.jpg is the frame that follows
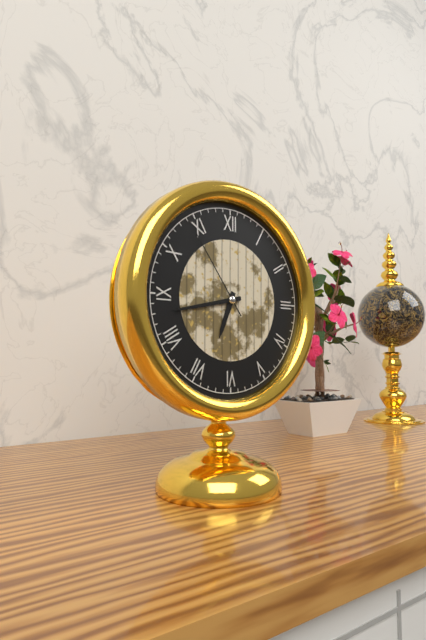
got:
h=6 m=43 s=54
